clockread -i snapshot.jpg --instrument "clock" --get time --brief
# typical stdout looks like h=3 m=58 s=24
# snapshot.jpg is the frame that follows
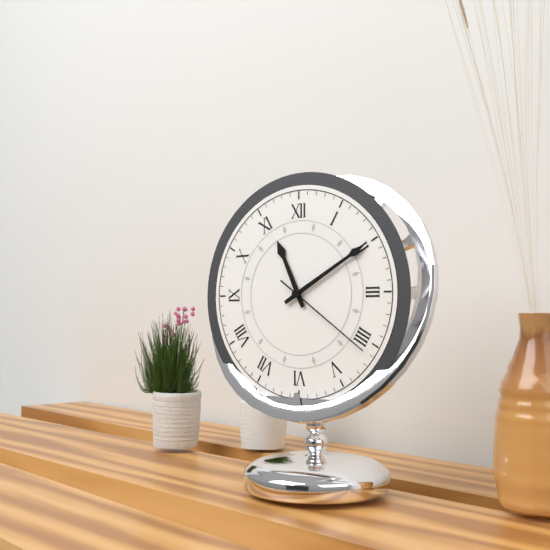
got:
h=11 m=10 s=21
